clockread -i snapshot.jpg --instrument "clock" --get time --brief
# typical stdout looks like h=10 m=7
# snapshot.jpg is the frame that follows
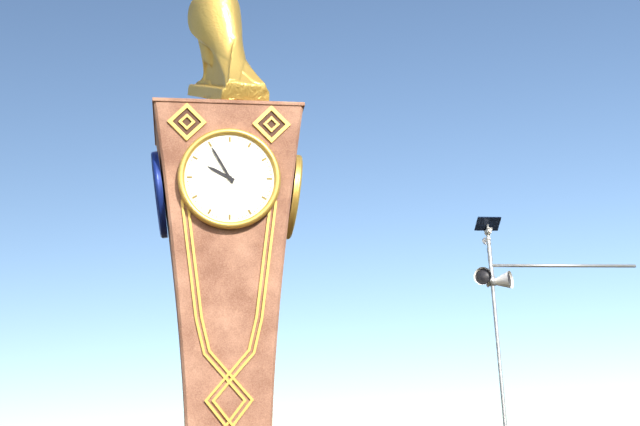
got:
h=9 m=55
